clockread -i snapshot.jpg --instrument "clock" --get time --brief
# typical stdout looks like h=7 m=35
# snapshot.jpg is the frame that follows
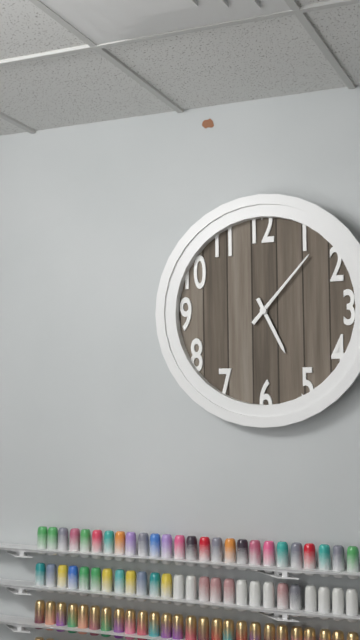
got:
h=5 m=7
